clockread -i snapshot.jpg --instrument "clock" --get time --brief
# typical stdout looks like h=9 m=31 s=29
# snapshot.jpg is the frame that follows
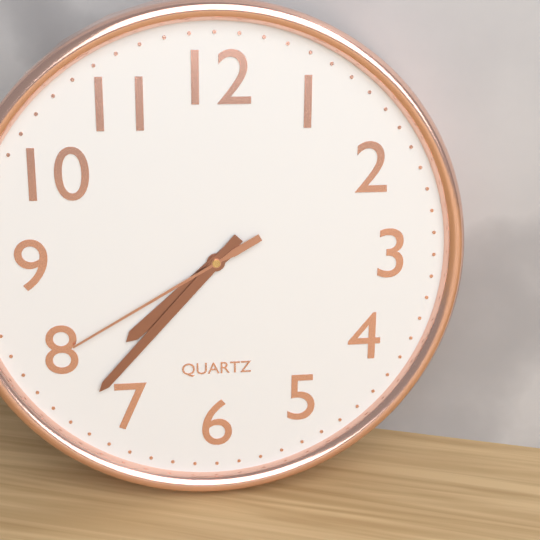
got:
h=7 m=37 s=40
